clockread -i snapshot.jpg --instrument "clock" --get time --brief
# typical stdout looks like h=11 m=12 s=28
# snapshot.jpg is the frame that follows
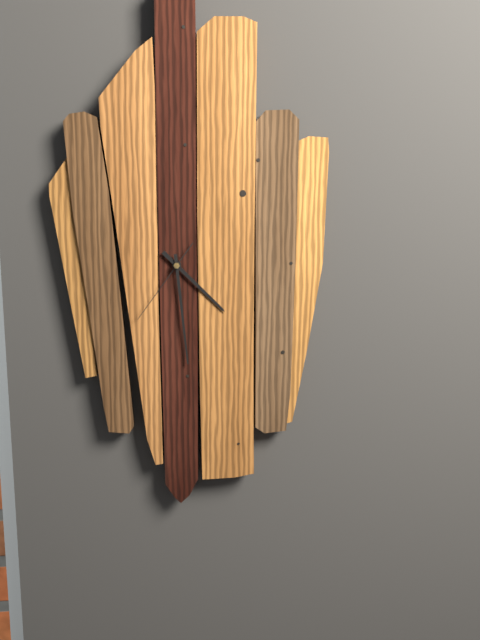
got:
h=4 m=29 s=36
